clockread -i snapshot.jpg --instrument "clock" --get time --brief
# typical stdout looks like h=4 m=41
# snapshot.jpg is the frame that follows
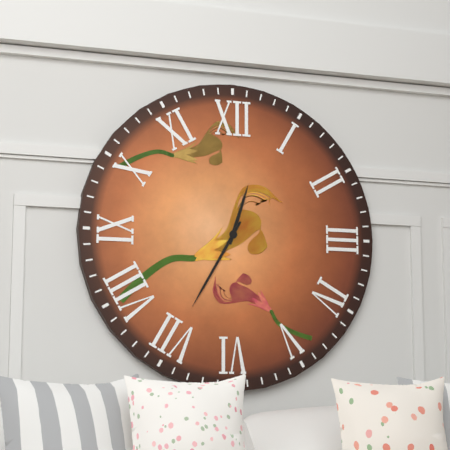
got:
h=12 m=35
